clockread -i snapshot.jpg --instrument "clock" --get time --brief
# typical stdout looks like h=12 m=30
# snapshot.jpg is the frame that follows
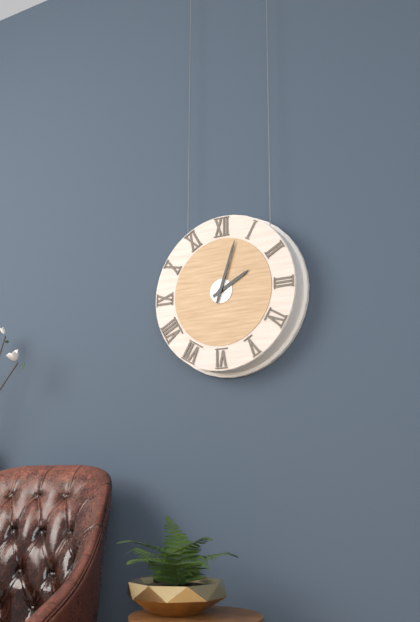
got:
h=2 m=3
